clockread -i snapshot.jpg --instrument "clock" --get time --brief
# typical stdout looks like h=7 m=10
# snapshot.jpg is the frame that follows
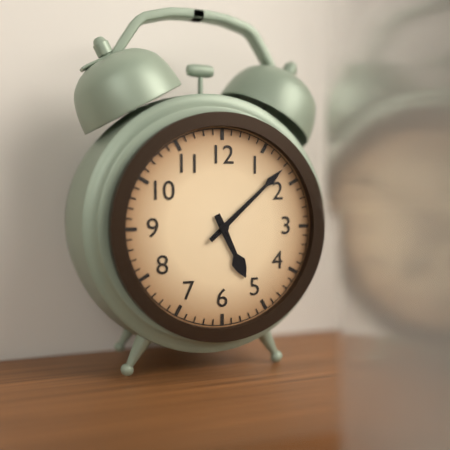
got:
h=5 m=8
